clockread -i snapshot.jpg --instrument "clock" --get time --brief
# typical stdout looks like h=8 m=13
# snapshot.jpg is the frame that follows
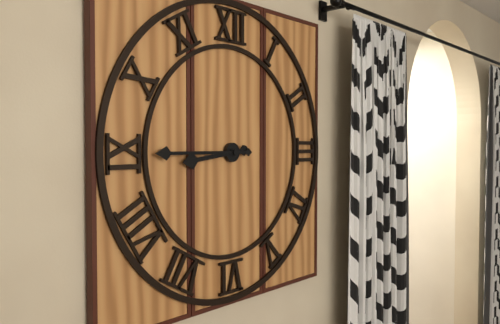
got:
h=8 m=45
